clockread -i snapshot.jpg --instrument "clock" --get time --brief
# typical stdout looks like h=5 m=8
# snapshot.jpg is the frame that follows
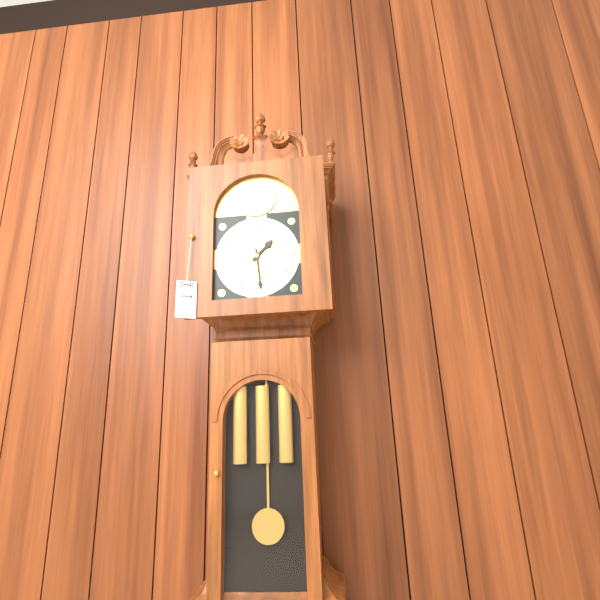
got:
h=1 m=29
